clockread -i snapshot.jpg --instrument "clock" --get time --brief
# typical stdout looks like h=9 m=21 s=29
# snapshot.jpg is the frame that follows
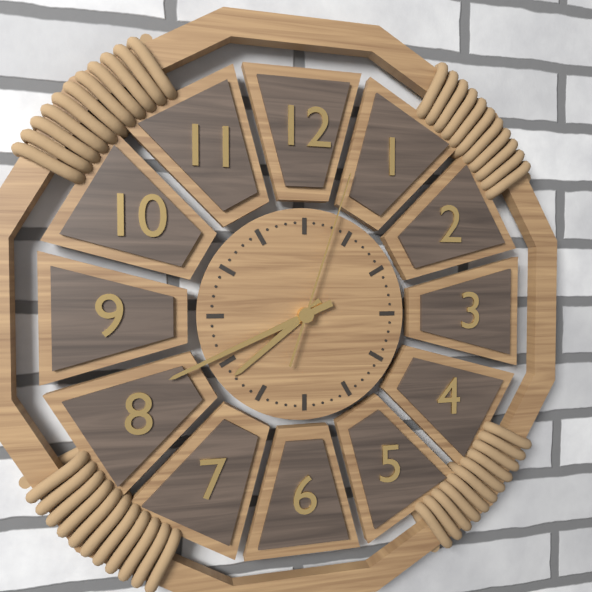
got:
h=7 m=41 s=3
